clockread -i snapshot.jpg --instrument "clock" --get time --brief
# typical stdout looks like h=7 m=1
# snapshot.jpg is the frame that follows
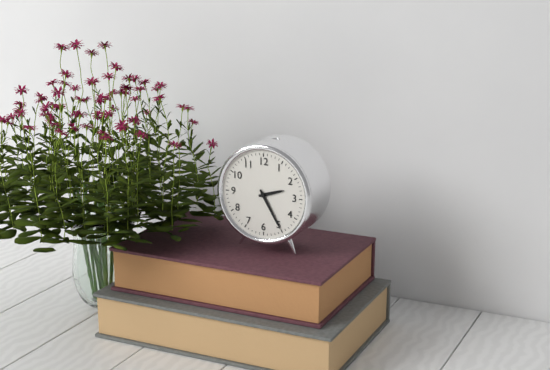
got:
h=2 m=25
